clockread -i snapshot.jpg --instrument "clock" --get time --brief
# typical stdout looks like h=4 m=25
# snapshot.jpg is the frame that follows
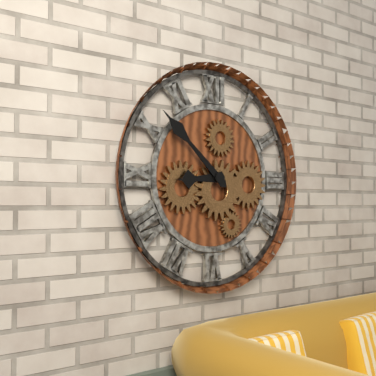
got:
h=8 m=52
